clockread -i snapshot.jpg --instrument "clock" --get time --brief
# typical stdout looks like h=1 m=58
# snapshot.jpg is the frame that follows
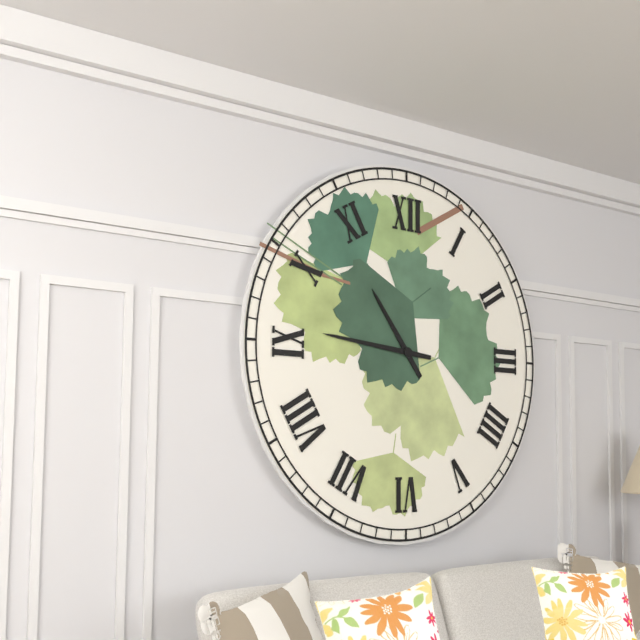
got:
h=10 m=46
